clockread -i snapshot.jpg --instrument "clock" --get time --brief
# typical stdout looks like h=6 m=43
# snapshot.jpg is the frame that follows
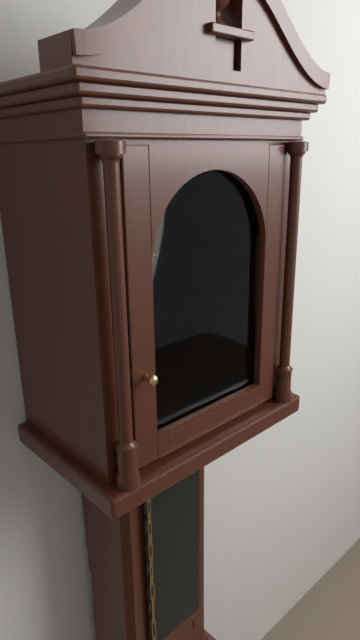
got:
h=4 m=28
